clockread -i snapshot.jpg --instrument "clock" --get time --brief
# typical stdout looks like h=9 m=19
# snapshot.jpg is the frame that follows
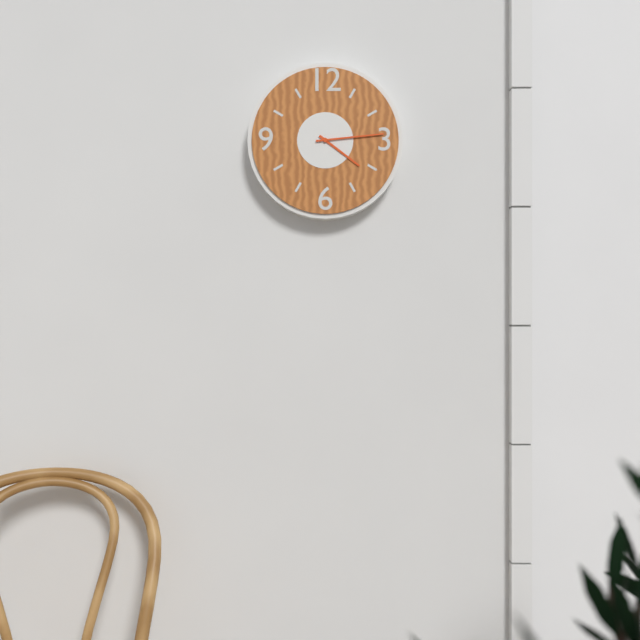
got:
h=4 m=14
